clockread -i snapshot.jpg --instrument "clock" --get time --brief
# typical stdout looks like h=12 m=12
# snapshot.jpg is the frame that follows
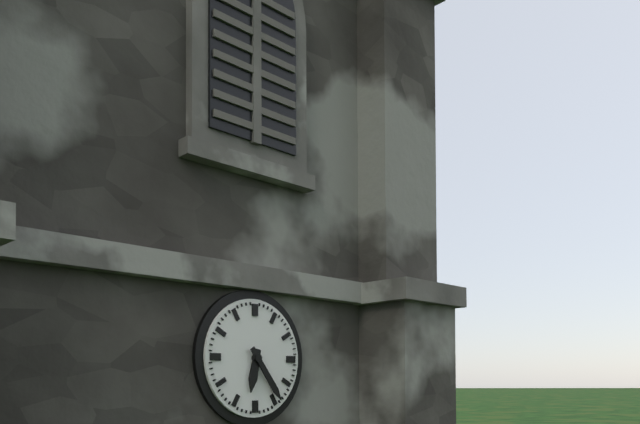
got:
h=6 m=24
